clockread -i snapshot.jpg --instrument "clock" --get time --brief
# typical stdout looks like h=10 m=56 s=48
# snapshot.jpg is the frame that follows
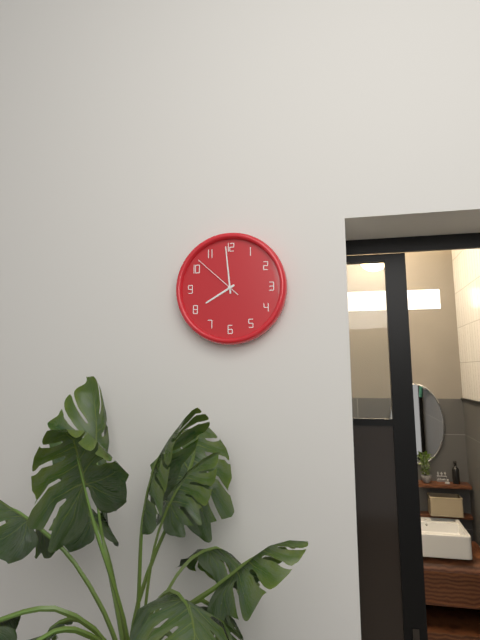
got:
h=7 m=59 s=52
